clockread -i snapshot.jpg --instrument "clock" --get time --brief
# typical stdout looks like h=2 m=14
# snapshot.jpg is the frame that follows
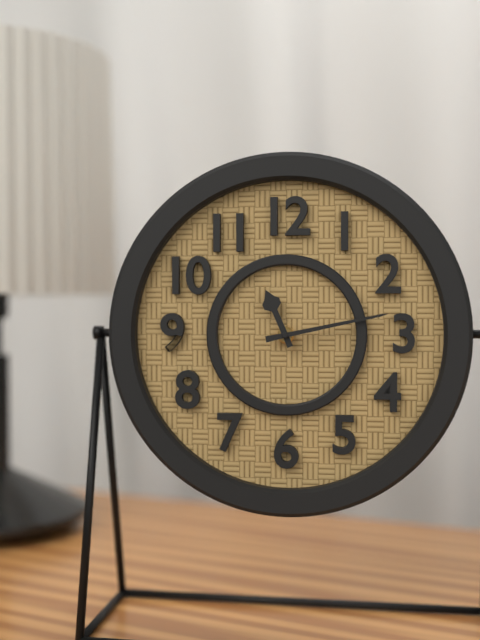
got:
h=11 m=13
